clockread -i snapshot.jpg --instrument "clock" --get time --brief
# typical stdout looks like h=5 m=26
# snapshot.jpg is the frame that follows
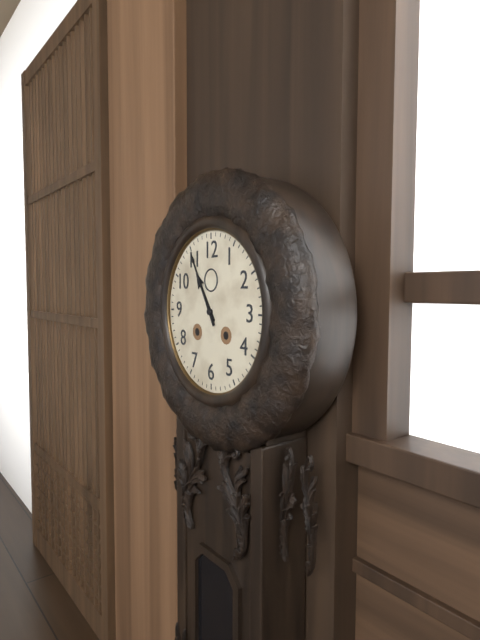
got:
h=10 m=55
